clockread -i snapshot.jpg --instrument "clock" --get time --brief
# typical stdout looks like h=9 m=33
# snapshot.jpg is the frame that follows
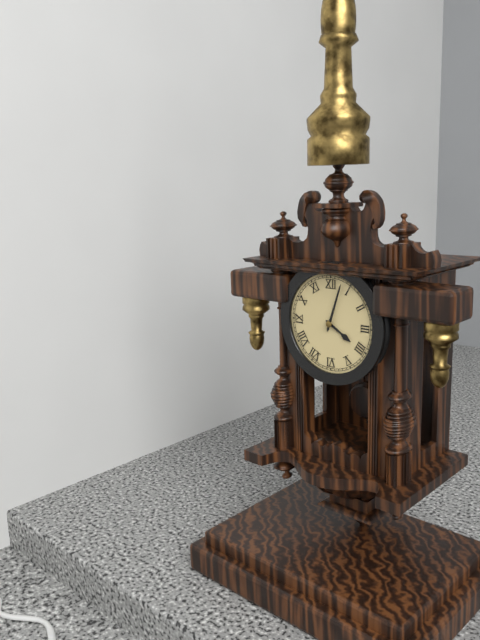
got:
h=4 m=3
